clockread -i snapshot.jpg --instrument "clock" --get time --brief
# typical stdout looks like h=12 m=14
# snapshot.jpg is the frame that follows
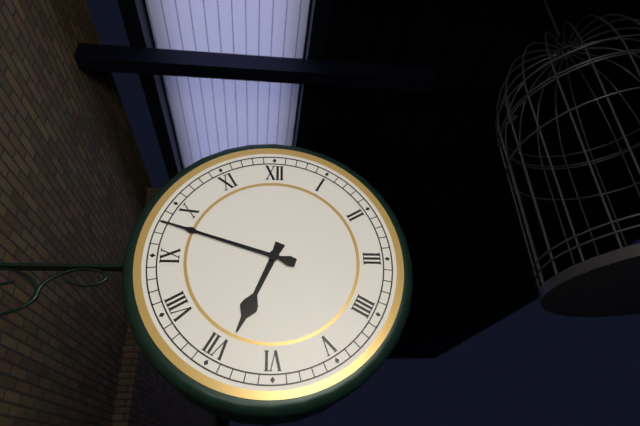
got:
h=6 m=48
